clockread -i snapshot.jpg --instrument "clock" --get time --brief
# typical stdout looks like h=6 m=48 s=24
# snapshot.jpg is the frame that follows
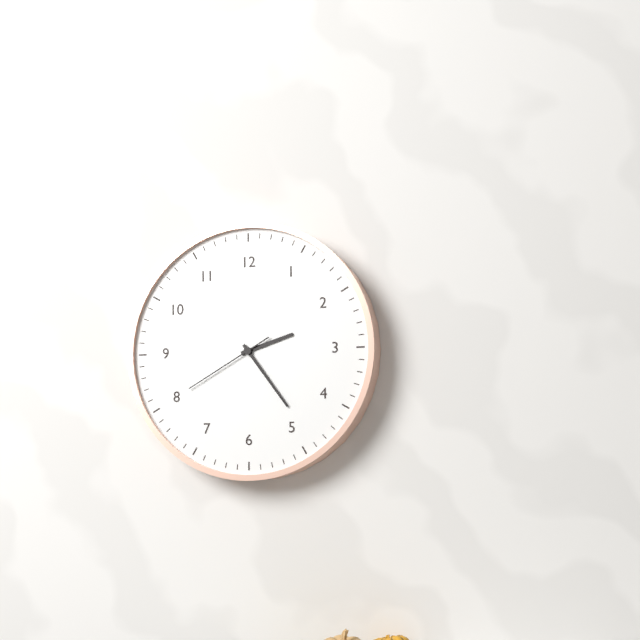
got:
h=2 m=24 s=40
